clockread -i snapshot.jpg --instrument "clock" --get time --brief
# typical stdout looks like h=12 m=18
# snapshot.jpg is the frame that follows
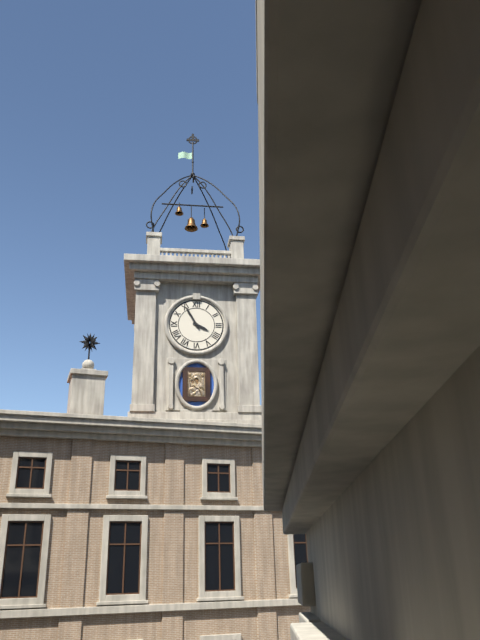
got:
h=3 m=55
